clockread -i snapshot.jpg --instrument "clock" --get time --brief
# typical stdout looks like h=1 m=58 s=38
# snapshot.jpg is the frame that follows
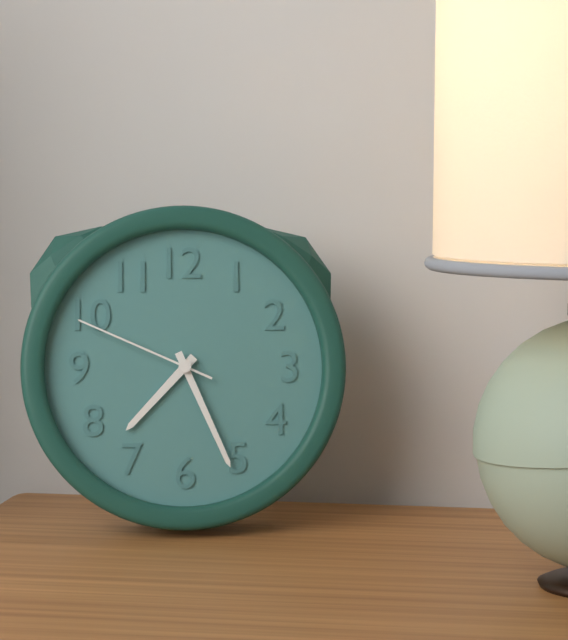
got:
h=7 m=26 s=49
